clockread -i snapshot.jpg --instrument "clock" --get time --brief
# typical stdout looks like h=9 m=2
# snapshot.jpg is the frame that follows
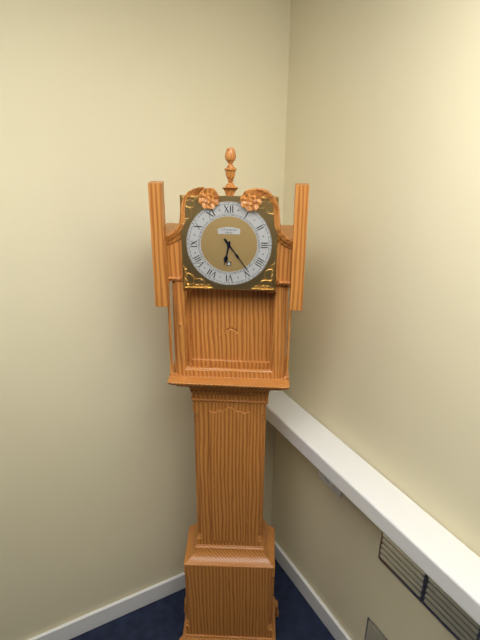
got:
h=6 m=24
